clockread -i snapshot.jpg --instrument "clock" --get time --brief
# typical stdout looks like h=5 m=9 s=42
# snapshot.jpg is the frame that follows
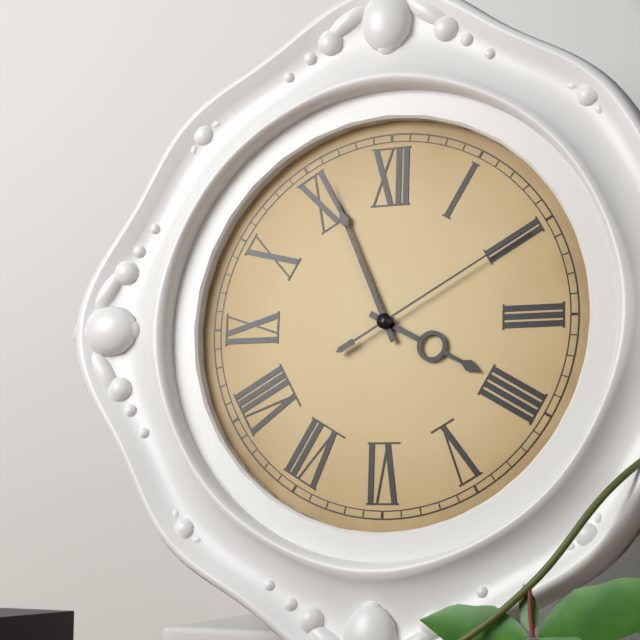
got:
h=3 m=56 s=10
